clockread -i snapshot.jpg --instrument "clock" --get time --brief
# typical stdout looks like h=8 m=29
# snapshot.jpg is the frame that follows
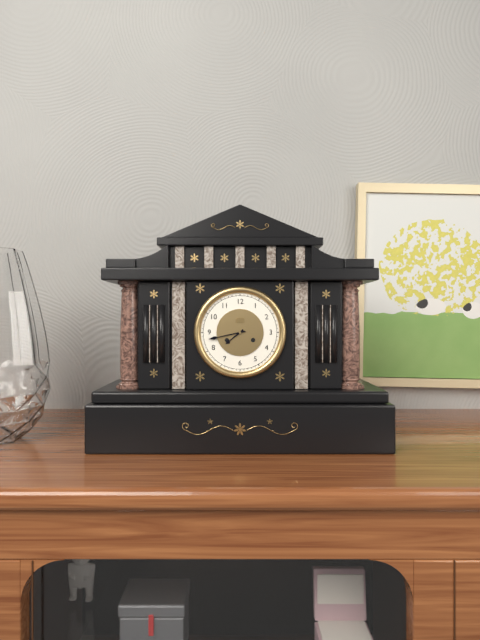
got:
h=7 m=43
